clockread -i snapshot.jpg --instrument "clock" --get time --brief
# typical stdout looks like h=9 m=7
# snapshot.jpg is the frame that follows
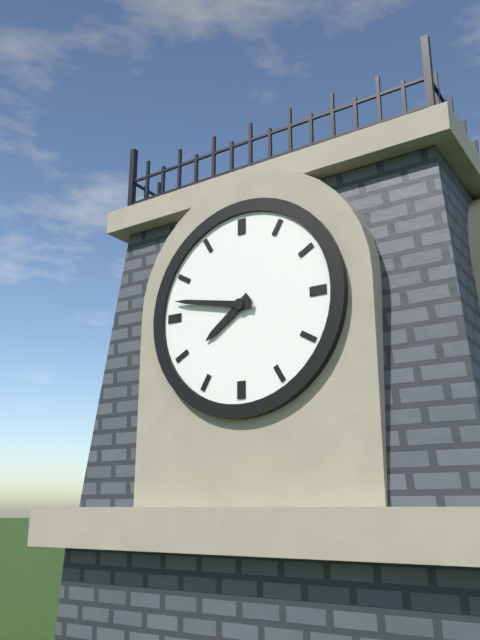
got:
h=7 m=47
